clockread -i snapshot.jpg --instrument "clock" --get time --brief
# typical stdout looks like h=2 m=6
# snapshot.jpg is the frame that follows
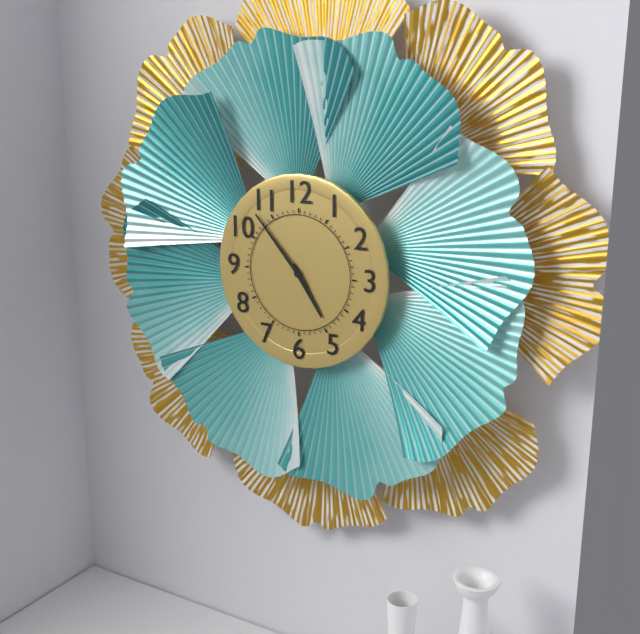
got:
h=4 m=53
